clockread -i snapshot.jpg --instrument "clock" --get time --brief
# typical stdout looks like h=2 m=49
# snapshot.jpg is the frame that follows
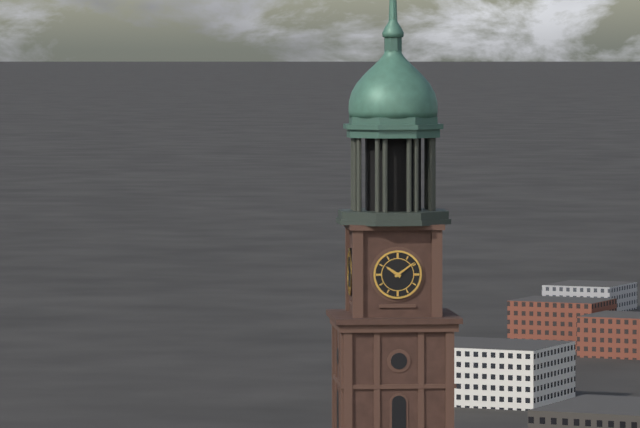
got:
h=10 m=9
